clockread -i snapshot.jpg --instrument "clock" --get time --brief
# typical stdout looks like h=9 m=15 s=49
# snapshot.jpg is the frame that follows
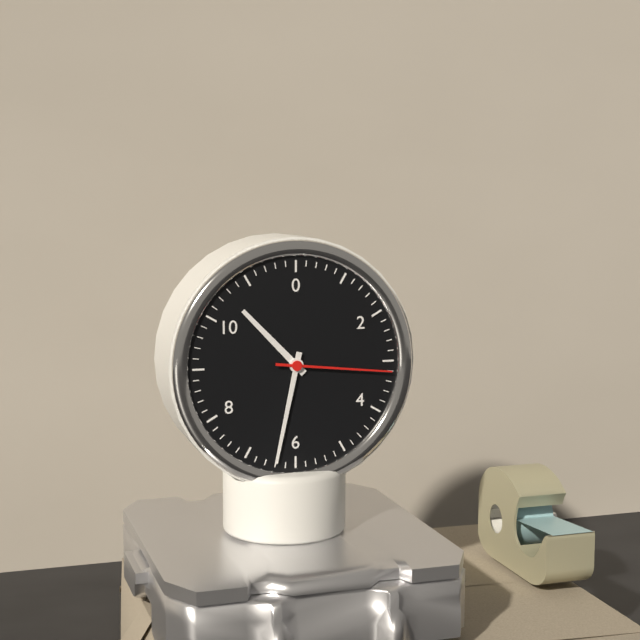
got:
h=10 m=32 s=16
